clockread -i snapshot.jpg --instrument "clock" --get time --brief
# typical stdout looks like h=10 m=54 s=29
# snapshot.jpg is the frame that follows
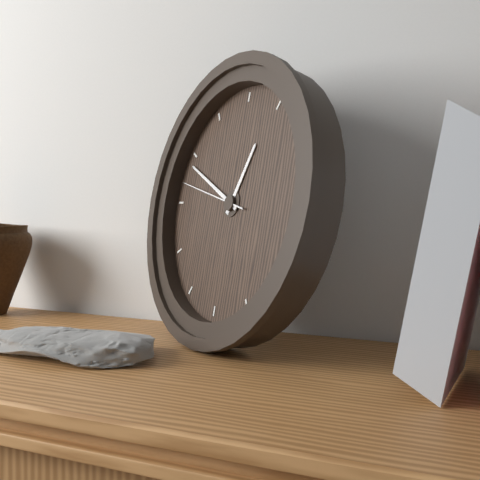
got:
h=12 m=49 s=47
